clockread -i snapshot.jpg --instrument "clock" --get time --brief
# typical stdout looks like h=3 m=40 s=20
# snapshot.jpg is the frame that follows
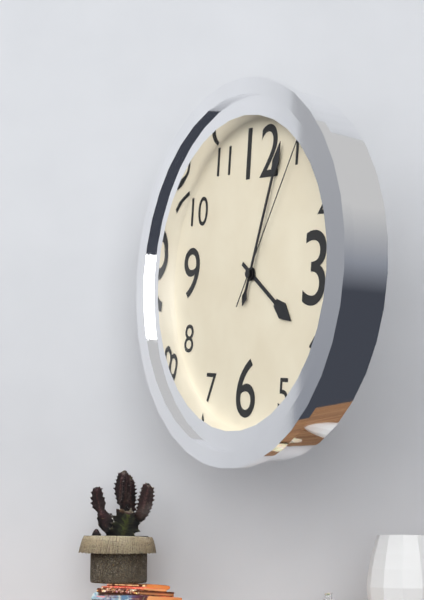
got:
h=4 m=3 s=5
